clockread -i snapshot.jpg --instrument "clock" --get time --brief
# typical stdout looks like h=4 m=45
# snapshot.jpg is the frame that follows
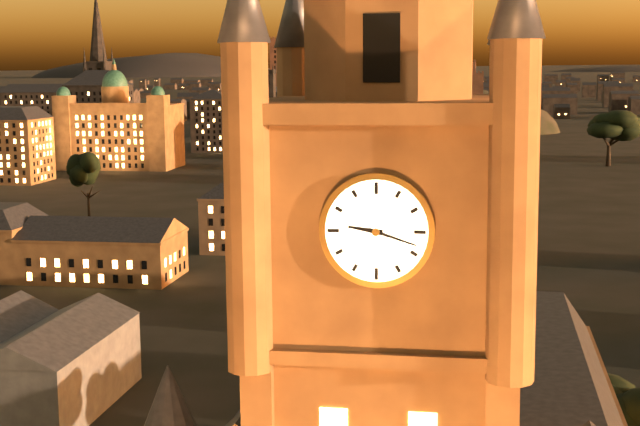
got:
h=9 m=18
